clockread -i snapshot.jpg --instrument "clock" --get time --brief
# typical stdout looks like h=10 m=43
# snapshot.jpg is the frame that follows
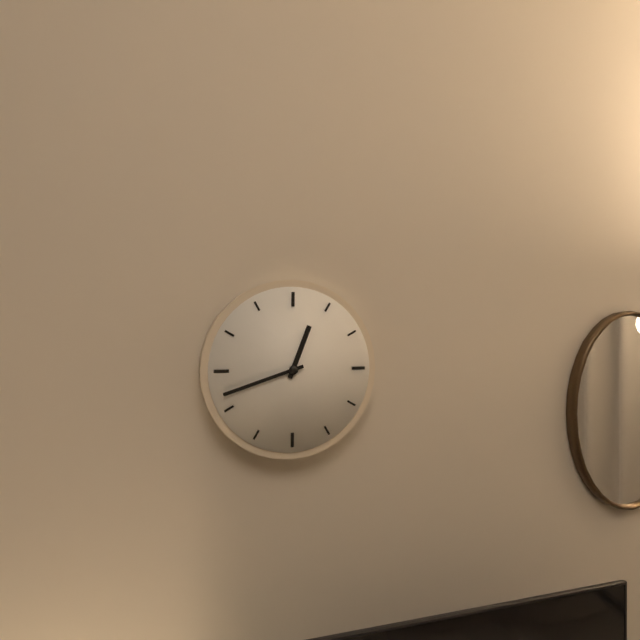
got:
h=12 m=42
